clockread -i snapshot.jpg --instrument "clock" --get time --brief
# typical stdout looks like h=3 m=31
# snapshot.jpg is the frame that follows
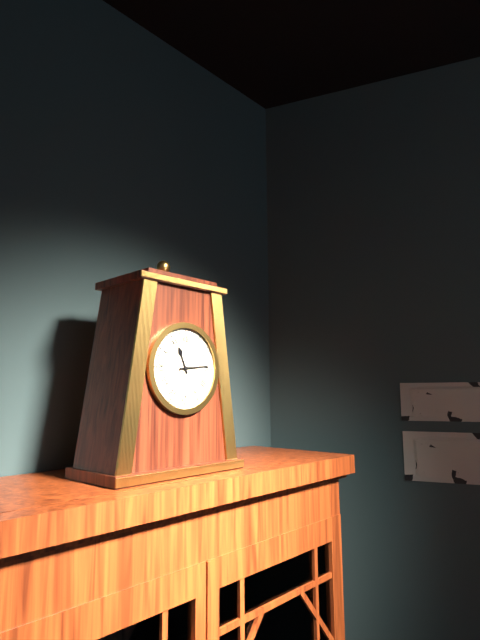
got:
h=11 m=14
